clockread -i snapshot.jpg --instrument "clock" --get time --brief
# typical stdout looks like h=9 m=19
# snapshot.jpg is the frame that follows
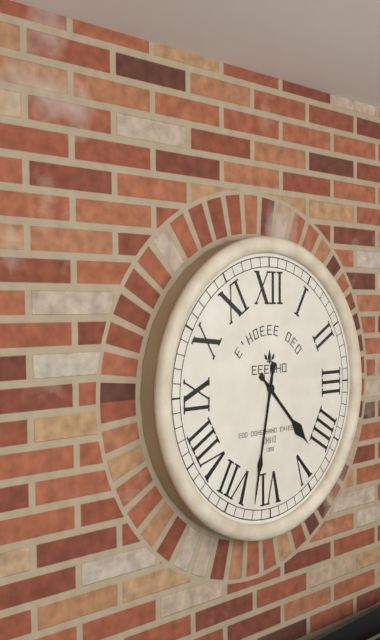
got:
h=4 m=32
